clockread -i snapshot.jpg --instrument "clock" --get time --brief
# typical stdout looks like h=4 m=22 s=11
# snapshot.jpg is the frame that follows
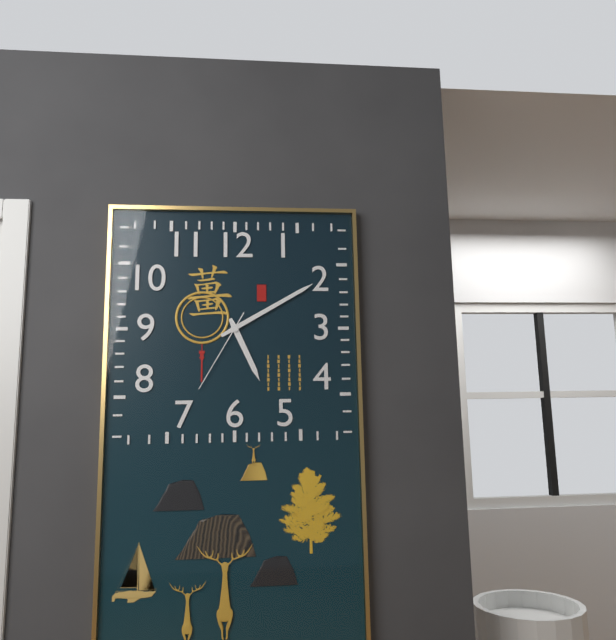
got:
h=5 m=10 s=35
